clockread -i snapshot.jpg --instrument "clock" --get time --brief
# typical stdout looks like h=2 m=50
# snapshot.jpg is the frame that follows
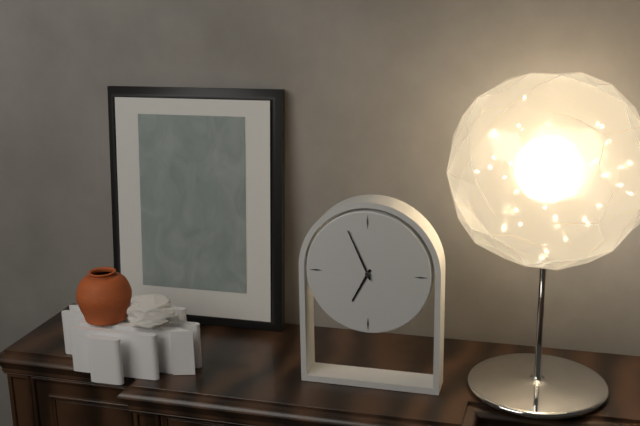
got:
h=6 m=56
